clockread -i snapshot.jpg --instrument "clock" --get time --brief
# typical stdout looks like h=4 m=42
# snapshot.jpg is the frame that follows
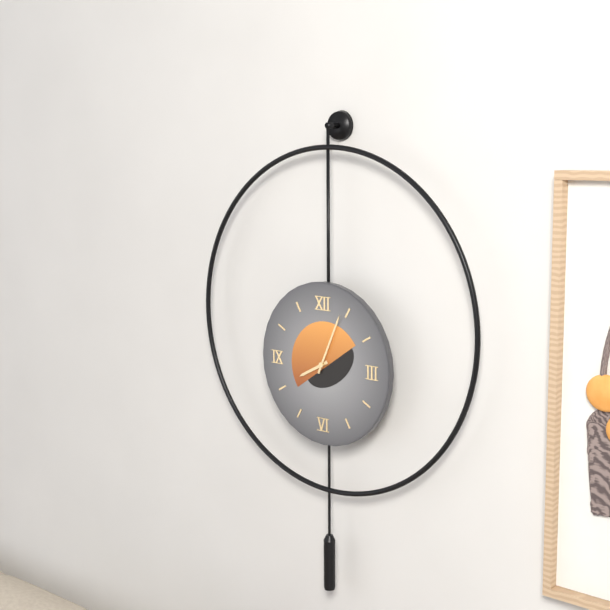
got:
h=8 m=4
